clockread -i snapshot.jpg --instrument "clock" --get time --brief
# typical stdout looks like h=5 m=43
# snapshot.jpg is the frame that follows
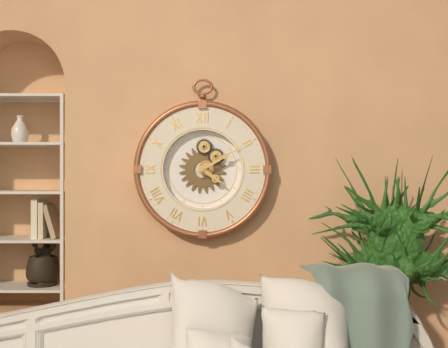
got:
h=4 m=10
